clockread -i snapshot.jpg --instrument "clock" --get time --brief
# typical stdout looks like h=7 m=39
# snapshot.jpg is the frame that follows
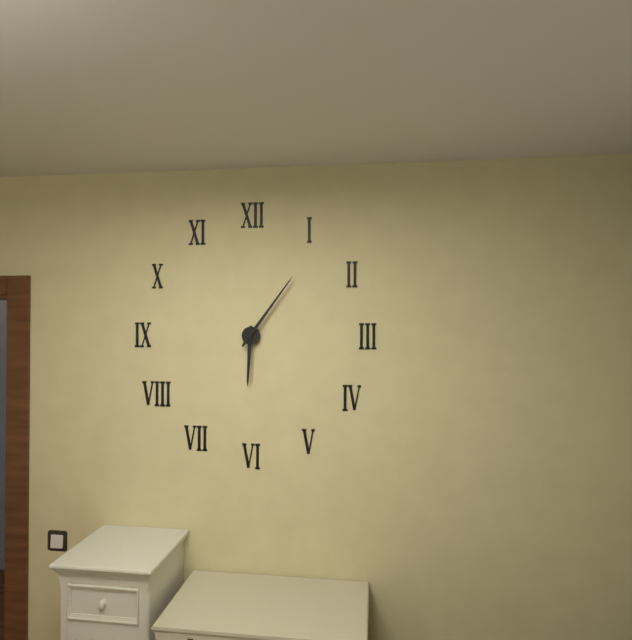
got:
h=6 m=6
